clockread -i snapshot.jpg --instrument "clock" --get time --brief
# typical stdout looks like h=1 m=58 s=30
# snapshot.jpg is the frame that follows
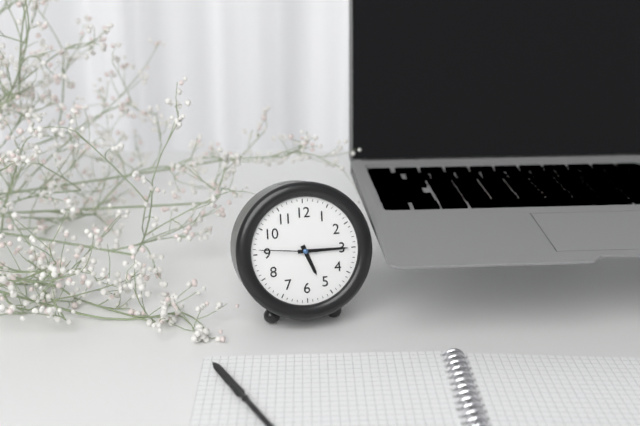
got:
h=5 m=15 s=46
